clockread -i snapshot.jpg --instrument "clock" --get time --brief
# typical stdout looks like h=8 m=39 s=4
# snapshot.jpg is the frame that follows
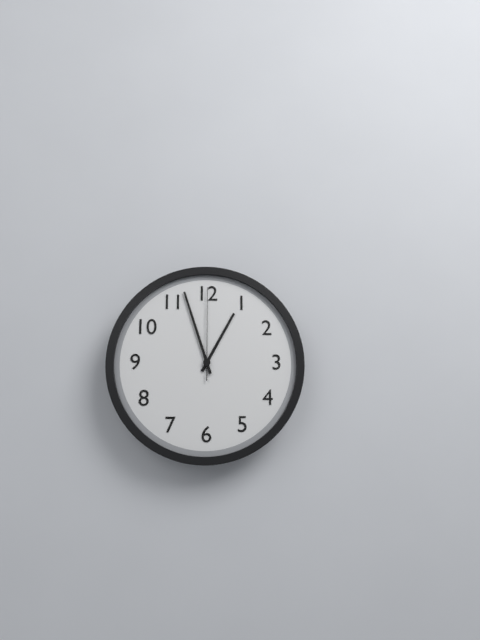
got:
h=12 m=57 s=0
